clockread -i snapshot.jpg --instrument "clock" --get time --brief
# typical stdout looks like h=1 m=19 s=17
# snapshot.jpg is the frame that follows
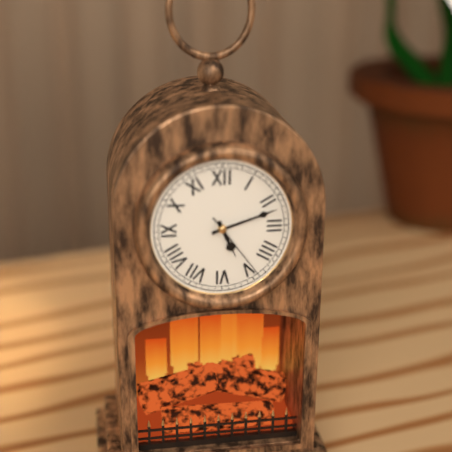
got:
h=5 m=12 s=24
